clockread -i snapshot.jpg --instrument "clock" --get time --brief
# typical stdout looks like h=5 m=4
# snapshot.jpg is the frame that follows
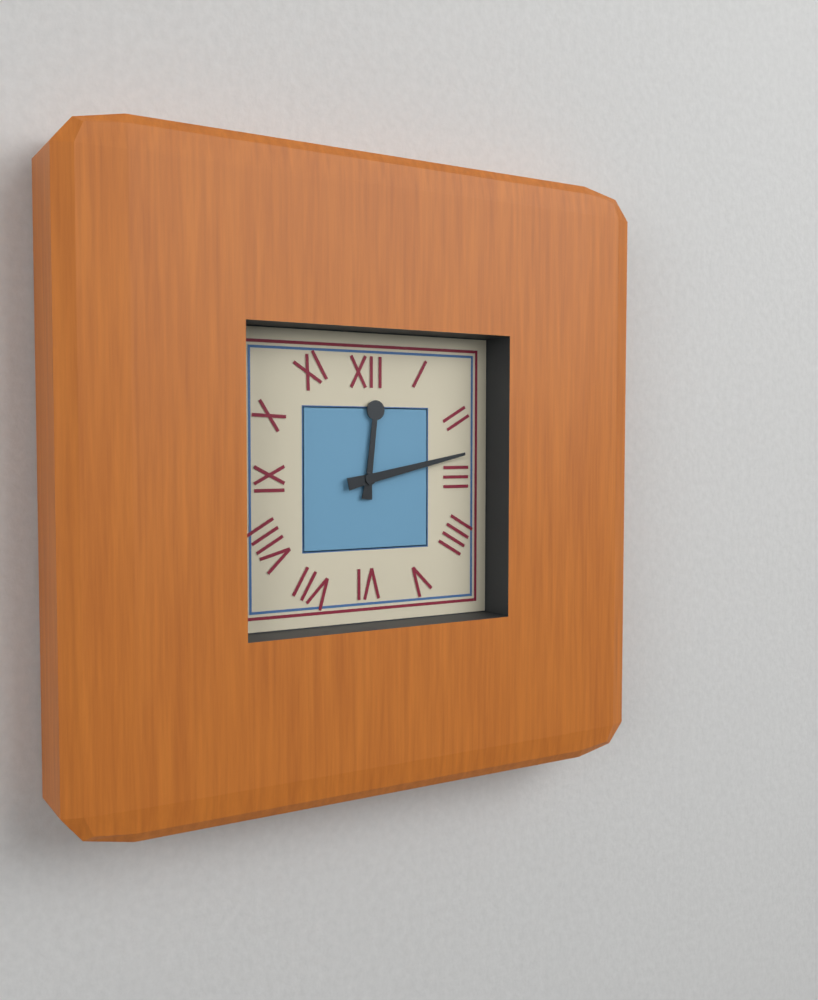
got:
h=12 m=13
